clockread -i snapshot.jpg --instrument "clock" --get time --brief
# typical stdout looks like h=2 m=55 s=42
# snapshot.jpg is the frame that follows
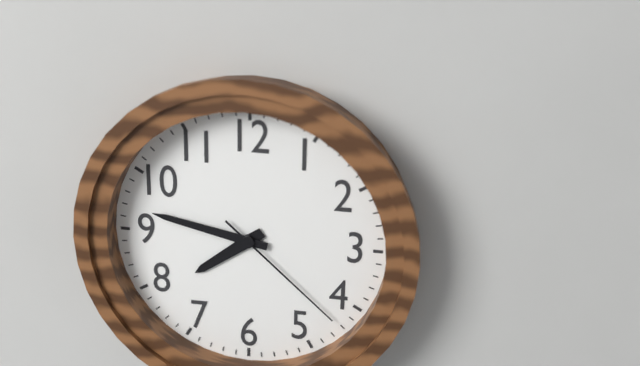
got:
h=7 m=47 s=22
